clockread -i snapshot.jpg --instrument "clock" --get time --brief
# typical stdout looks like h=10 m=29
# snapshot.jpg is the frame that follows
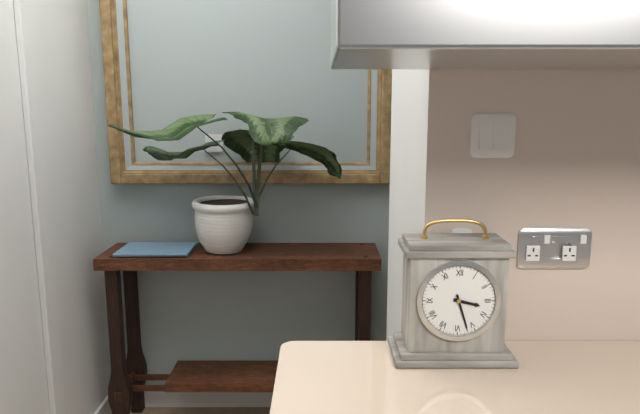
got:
h=3 m=27
